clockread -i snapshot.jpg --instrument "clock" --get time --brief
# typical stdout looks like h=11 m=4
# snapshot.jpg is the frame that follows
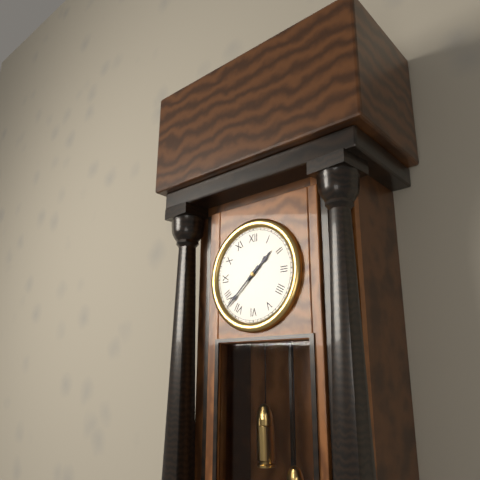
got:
h=1 m=38
